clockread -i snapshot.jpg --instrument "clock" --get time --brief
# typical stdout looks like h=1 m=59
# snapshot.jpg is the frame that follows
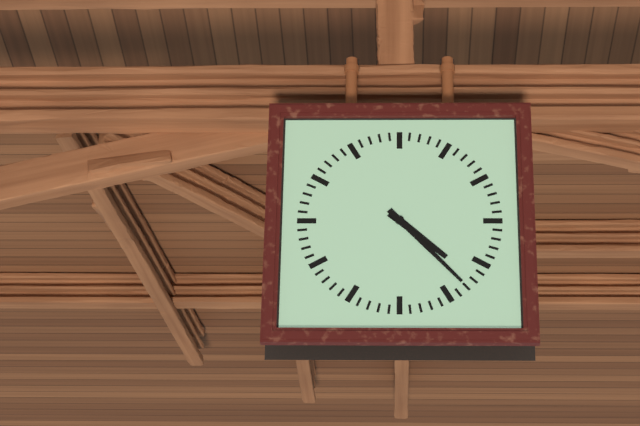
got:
h=4 m=23
